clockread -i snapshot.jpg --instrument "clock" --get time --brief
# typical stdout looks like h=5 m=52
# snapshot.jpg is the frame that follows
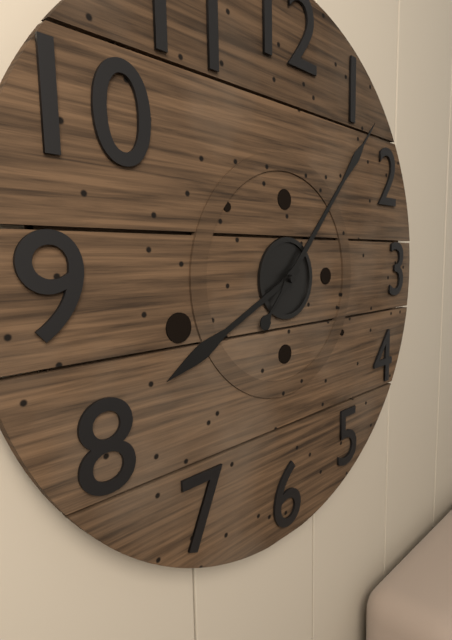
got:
h=8 m=7
